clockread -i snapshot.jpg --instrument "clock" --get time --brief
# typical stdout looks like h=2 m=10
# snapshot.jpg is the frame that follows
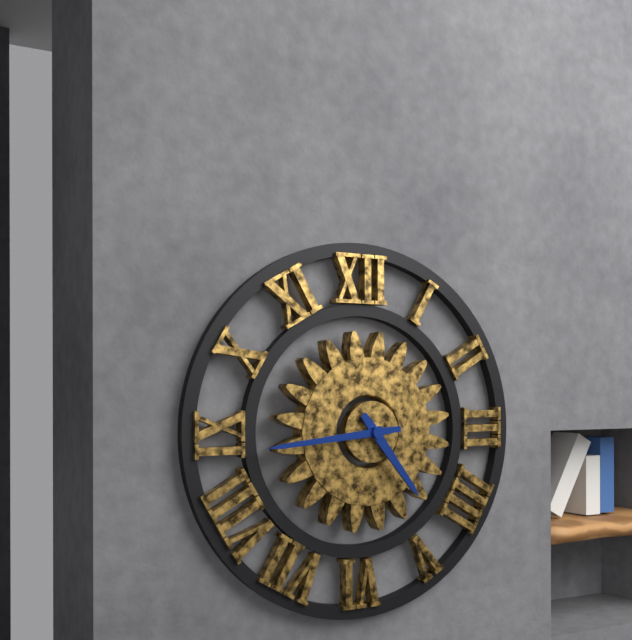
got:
h=4 m=44
